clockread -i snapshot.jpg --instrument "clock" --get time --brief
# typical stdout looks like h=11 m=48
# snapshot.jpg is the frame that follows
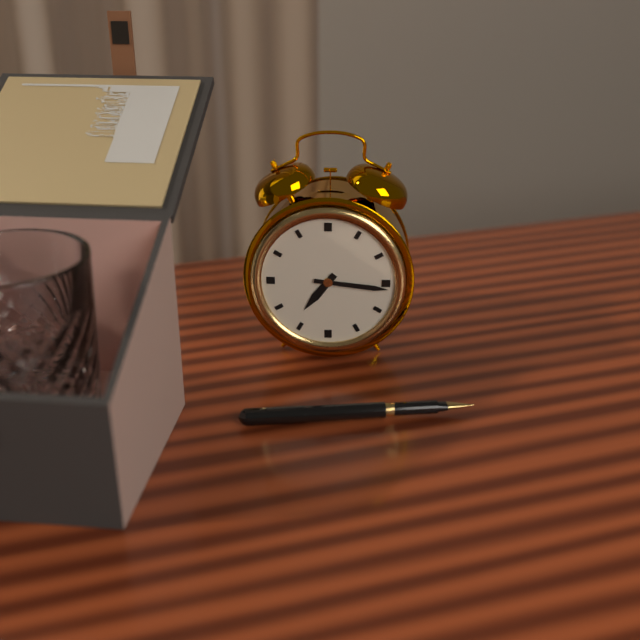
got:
h=7 m=16
